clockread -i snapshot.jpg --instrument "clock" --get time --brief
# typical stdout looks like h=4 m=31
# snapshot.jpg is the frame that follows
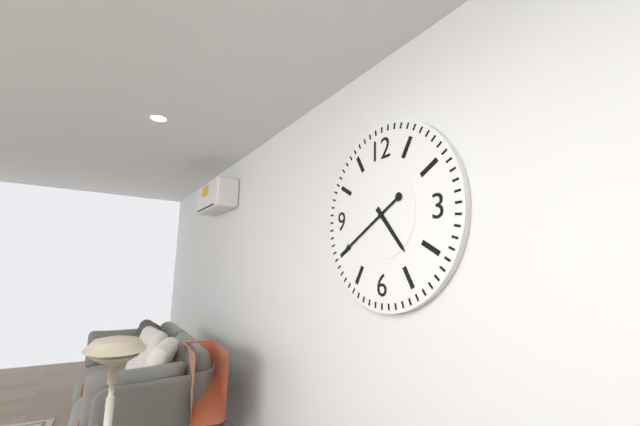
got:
h=4 m=40
